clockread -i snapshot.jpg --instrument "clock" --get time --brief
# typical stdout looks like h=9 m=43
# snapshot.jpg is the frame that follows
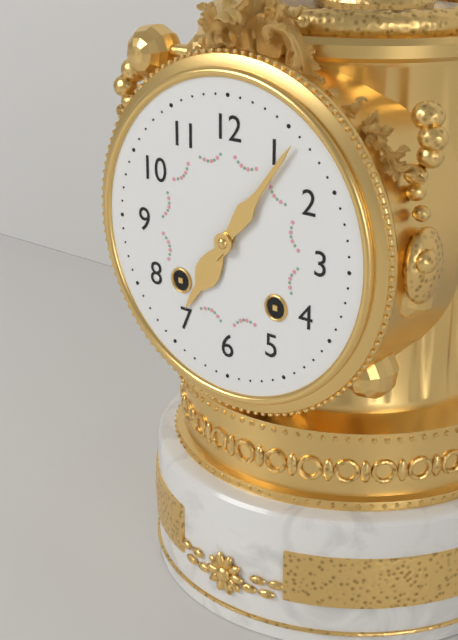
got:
h=7 m=6
